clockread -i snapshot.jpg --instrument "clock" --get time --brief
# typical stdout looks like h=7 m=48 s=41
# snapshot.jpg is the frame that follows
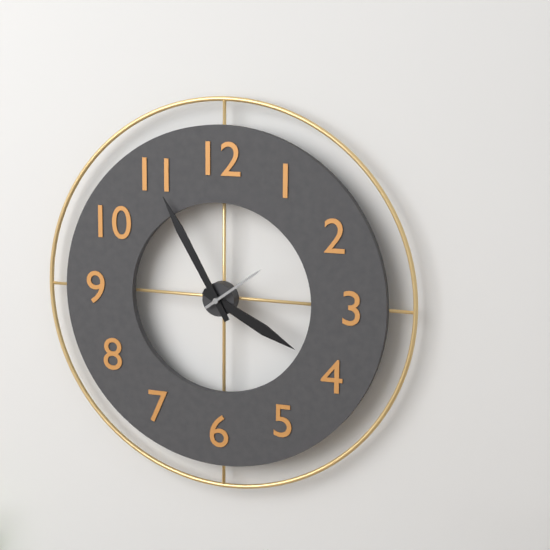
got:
h=3 m=55 s=9
